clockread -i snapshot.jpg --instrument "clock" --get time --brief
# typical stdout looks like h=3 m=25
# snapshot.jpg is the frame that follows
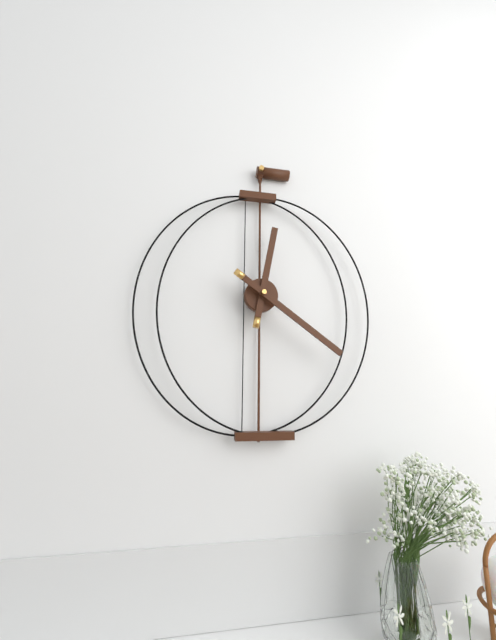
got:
h=12 m=21
